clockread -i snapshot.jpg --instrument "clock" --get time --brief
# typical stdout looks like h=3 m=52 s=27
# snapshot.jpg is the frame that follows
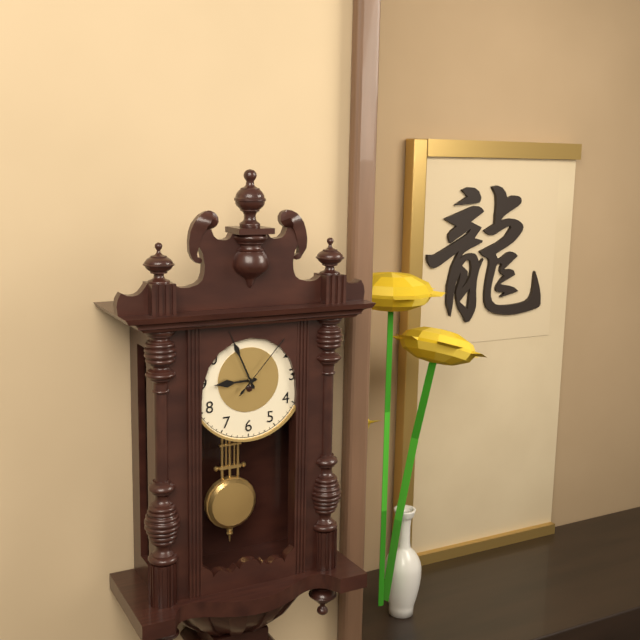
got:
h=8 m=56 s=7
